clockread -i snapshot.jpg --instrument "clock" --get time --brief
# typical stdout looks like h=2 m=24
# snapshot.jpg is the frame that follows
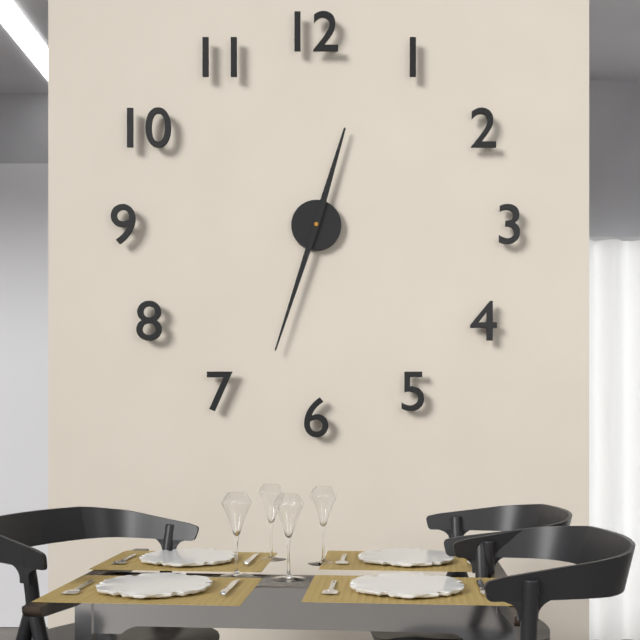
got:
h=12 m=33
